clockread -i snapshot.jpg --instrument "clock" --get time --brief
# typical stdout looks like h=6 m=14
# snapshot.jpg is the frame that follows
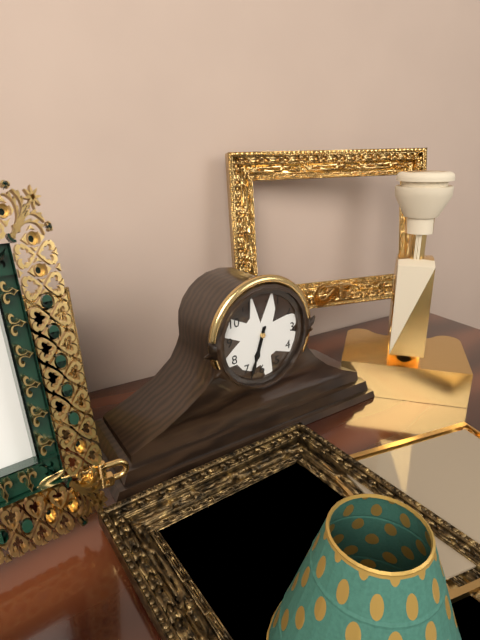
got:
h=6 m=33
